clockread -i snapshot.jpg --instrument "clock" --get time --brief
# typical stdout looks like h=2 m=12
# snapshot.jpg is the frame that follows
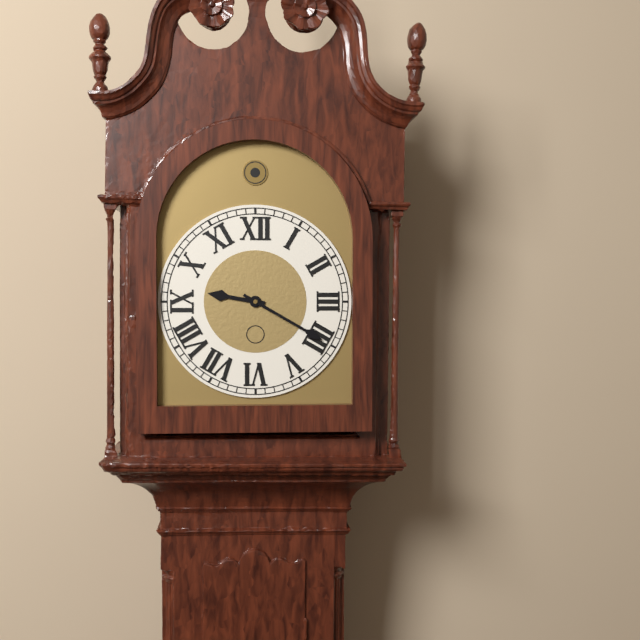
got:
h=9 m=20
